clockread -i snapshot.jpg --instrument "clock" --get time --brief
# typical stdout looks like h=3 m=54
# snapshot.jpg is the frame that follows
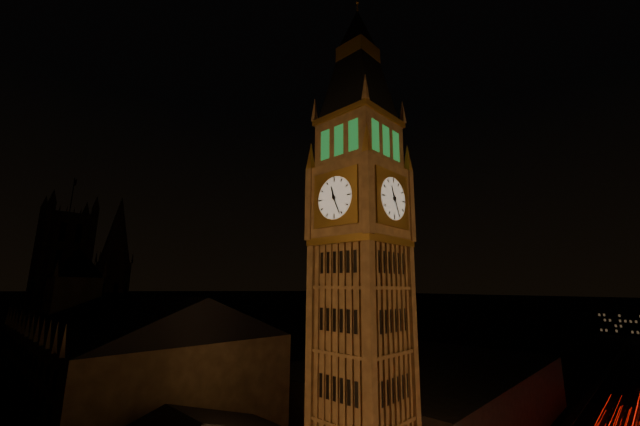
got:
h=11 m=26
